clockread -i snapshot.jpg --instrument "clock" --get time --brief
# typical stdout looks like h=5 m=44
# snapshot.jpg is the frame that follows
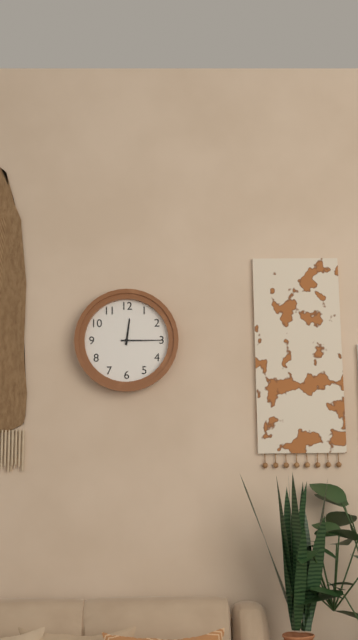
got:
h=12 m=15
